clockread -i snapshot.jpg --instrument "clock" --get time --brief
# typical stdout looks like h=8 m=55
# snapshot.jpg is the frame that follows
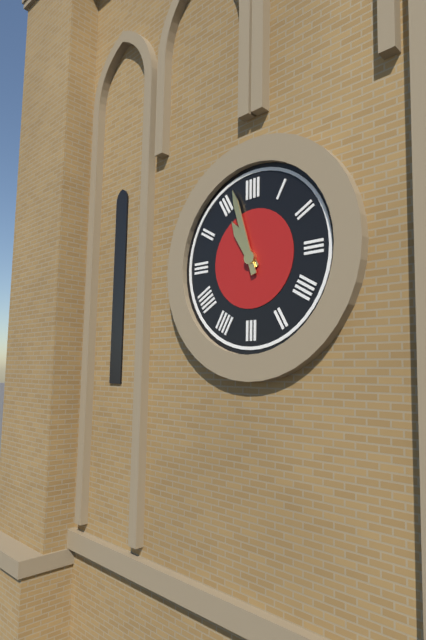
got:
h=10 m=57
